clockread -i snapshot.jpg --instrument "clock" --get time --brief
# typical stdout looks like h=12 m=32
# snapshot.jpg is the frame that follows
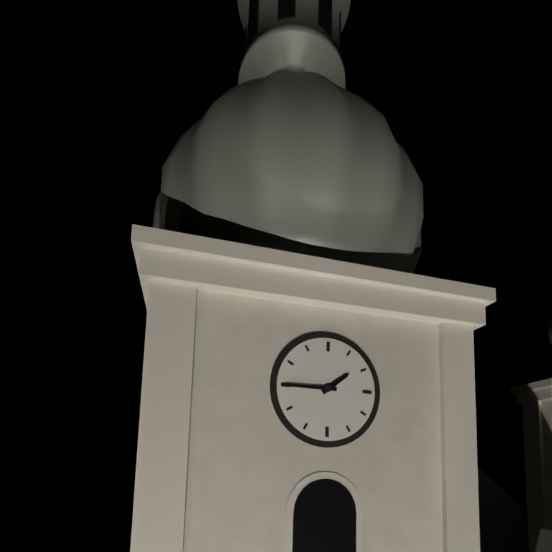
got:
h=1 m=45
